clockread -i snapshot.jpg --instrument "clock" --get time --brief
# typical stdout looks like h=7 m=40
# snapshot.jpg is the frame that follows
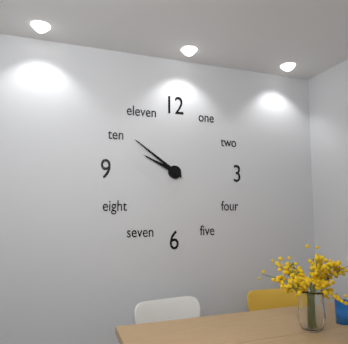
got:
h=9 m=51
